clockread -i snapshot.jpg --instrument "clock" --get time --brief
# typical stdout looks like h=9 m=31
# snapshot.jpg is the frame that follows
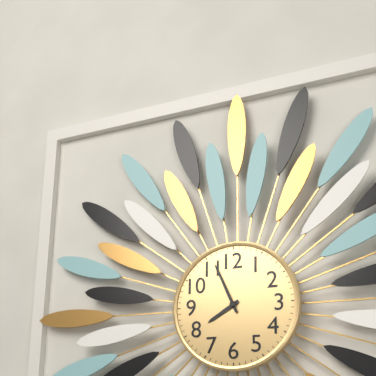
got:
h=7 m=56
